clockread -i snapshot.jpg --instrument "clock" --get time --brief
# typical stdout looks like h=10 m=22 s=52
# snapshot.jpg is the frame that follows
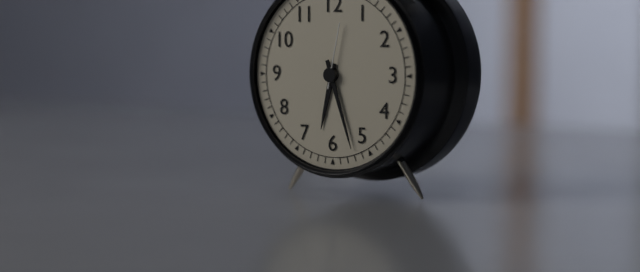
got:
h=6 m=27 s=2
